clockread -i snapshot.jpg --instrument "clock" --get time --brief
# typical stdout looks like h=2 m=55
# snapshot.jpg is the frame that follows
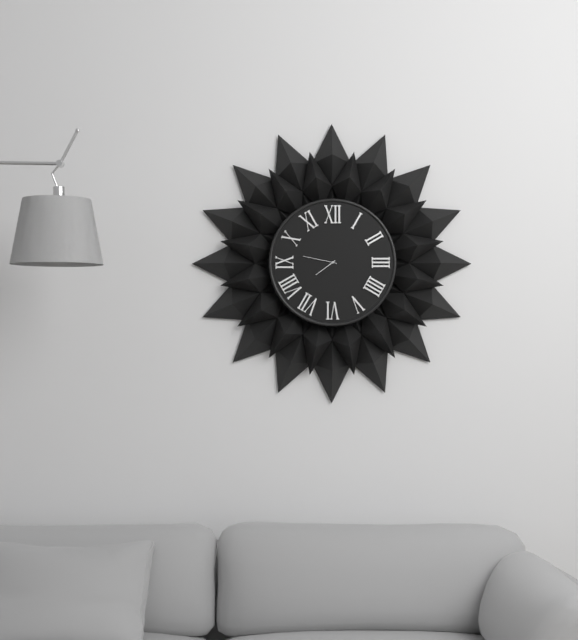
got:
h=7 m=47
